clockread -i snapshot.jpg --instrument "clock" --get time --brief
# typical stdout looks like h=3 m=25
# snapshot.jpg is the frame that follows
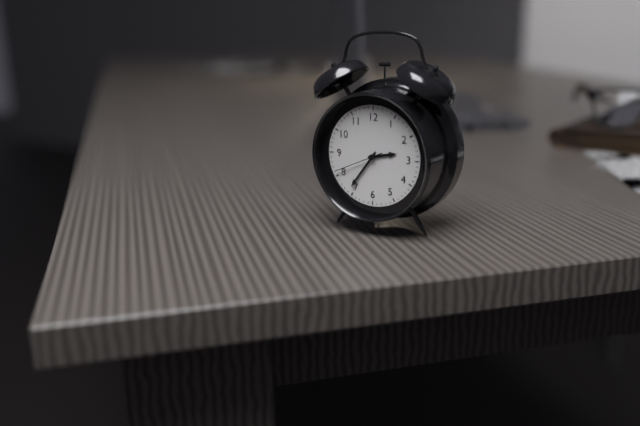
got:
h=2 m=36
